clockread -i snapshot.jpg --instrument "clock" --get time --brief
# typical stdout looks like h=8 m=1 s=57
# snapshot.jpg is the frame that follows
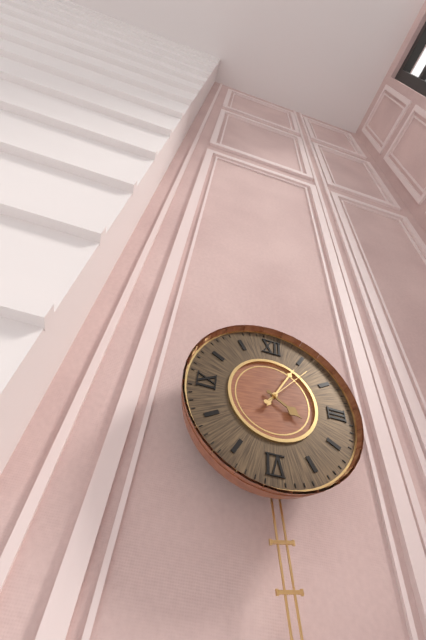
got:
h=4 m=5 s=7
